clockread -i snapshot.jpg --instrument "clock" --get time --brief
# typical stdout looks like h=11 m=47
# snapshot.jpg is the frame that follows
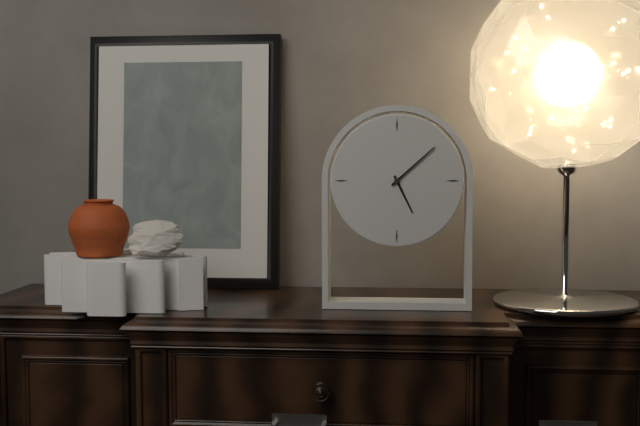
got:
h=5 m=8
